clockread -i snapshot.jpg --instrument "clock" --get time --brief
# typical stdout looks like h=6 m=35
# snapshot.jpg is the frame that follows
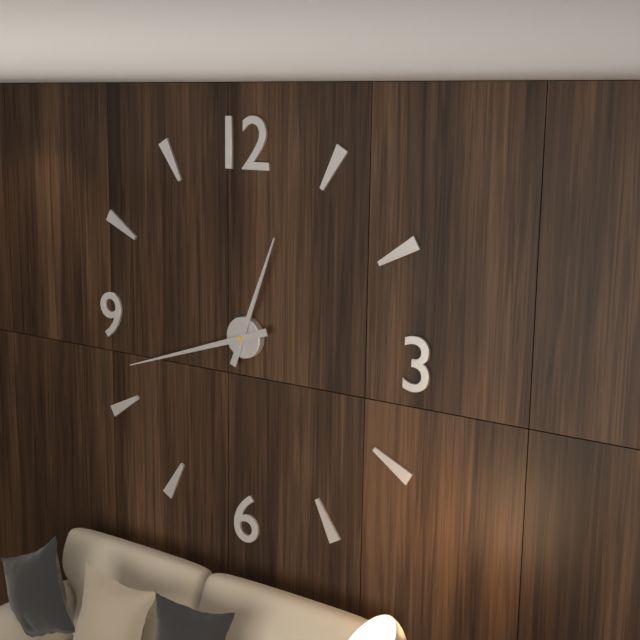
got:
h=12 m=42
